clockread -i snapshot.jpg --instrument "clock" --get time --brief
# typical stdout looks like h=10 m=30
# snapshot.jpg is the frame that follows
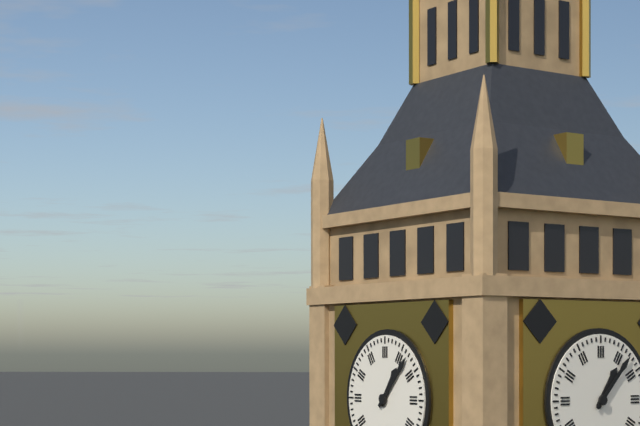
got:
h=1 m=7
